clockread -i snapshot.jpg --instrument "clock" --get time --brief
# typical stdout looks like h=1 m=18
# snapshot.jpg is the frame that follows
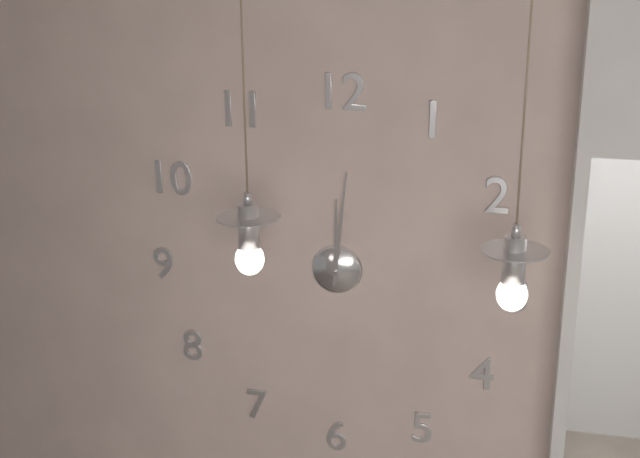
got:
h=12 m=1
